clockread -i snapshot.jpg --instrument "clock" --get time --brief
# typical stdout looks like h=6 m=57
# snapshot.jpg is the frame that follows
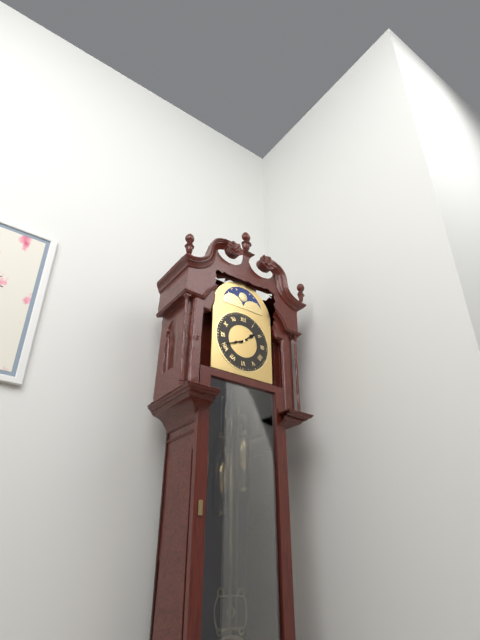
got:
h=1 m=41
